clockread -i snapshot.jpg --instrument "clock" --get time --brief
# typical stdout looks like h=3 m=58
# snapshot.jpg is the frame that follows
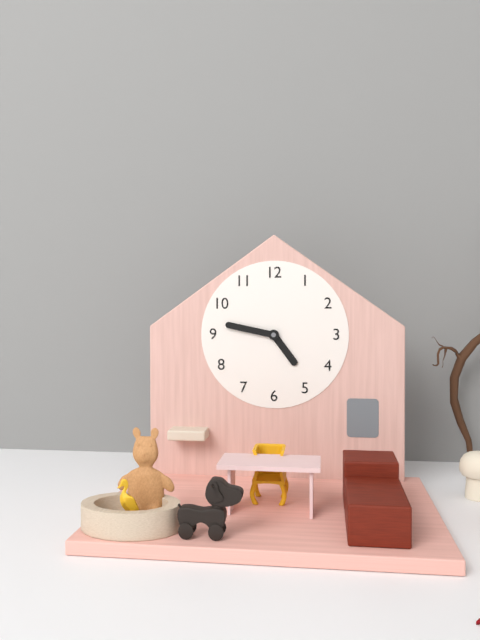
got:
h=4 m=47
